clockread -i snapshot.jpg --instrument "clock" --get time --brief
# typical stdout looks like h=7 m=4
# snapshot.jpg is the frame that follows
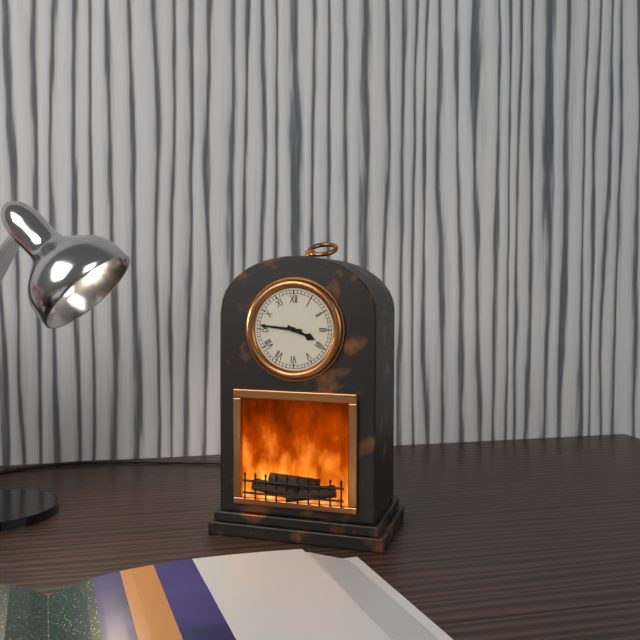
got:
h=3 m=46
